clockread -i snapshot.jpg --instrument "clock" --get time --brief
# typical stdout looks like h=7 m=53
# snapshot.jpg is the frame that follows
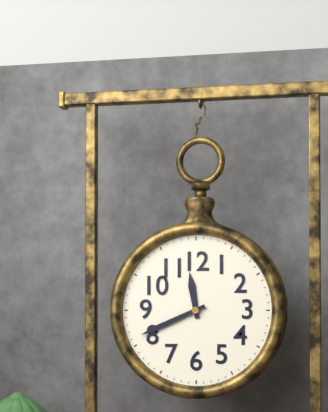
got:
h=11 m=41
